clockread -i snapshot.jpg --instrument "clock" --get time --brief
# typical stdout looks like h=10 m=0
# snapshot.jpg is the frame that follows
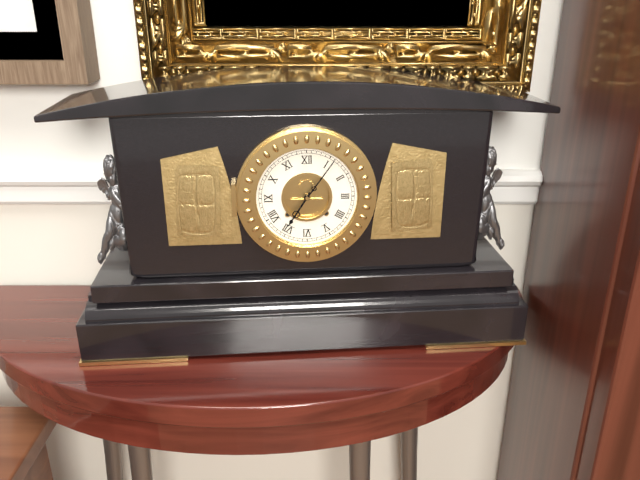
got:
h=7 m=6
